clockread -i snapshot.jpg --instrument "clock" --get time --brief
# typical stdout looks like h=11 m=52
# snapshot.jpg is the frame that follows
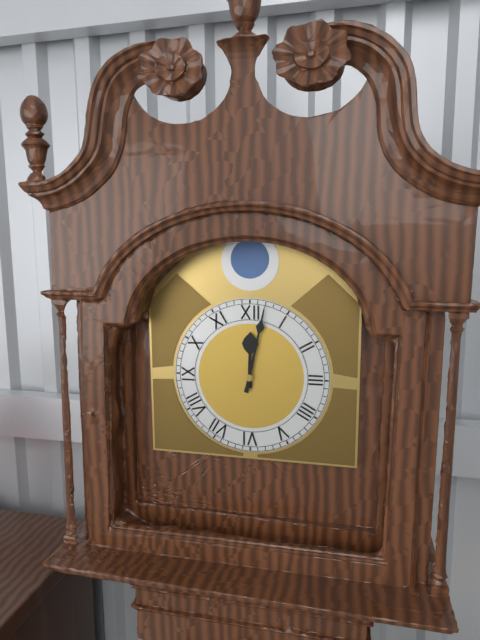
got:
h=12 m=2
